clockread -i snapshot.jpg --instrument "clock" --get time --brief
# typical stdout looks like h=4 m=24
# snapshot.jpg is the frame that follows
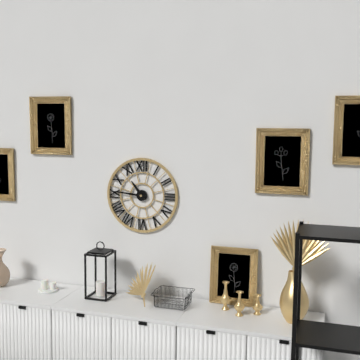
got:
h=10 m=46
